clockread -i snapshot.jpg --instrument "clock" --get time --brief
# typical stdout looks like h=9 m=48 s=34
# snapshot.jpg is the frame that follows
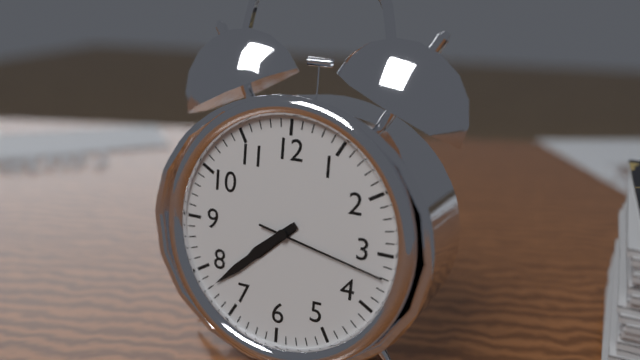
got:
h=7 m=38 s=17
